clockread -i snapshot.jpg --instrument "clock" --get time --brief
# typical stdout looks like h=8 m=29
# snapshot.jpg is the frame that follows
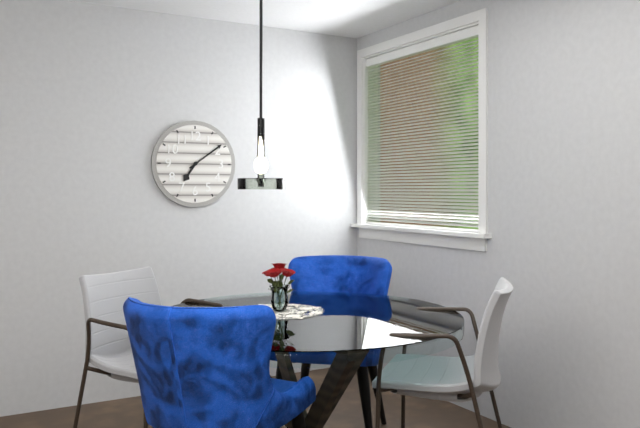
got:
h=7 m=9
